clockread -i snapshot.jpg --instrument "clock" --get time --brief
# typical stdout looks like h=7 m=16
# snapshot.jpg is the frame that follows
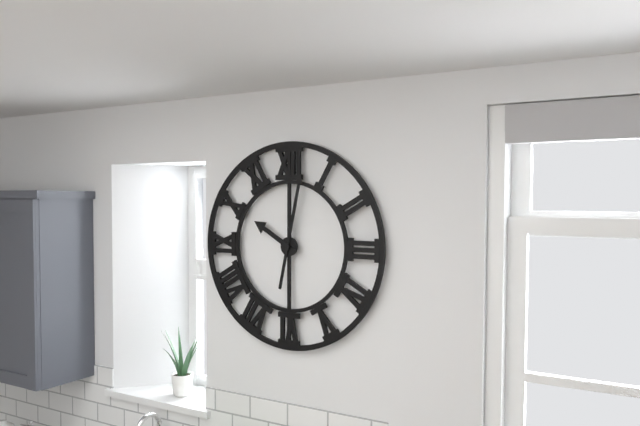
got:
h=10 m=2
